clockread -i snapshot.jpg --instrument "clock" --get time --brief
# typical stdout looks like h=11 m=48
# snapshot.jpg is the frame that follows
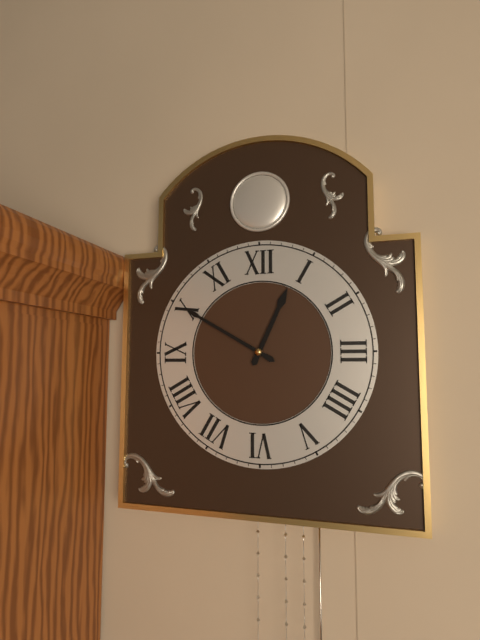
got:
h=12 m=50
